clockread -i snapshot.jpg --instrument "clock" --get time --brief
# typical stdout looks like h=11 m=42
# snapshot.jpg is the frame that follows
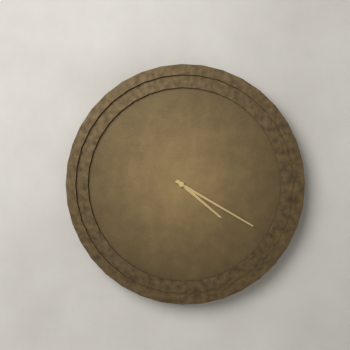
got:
h=4 m=20
